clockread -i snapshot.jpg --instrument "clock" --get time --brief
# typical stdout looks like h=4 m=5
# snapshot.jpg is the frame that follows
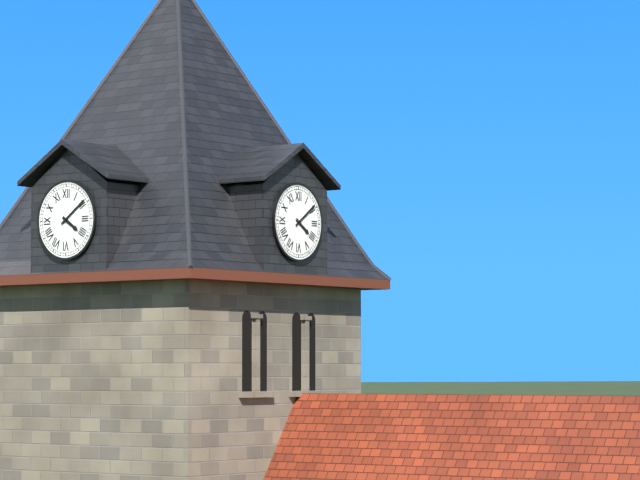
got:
h=4 m=9
